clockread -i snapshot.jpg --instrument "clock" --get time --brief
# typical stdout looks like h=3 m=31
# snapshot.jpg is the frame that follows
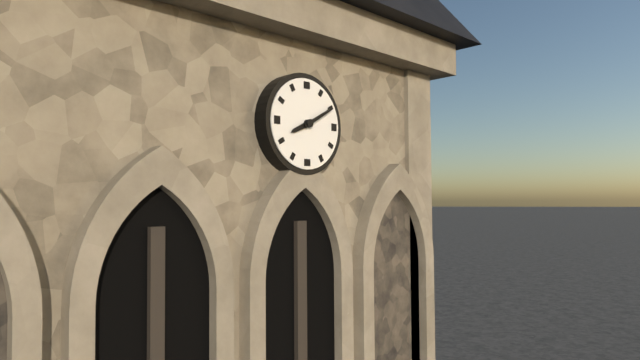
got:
h=8 m=10
